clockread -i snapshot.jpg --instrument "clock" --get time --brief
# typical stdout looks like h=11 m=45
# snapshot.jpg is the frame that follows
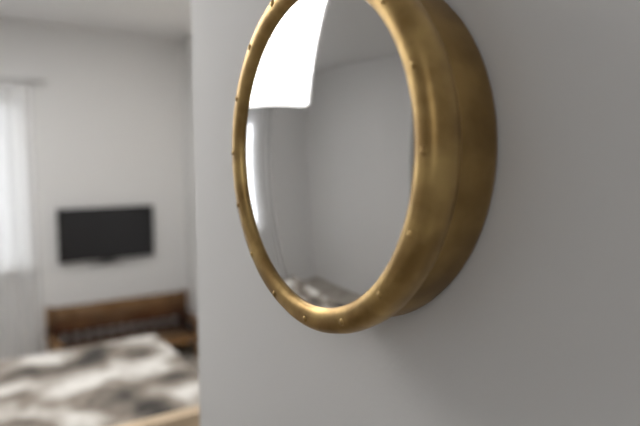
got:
h=2 m=12
